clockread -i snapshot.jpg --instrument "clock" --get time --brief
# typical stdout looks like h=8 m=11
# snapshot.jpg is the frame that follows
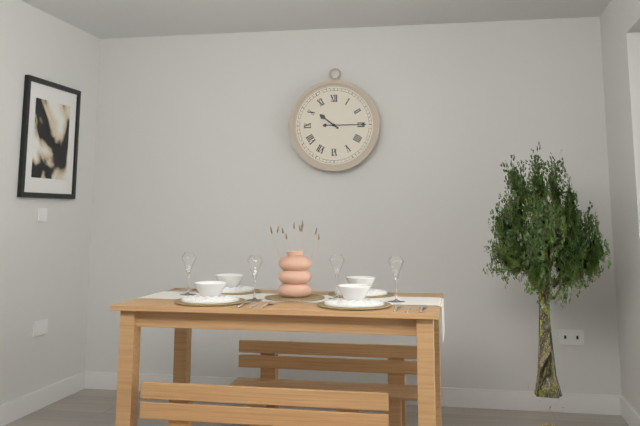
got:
h=10 m=15
